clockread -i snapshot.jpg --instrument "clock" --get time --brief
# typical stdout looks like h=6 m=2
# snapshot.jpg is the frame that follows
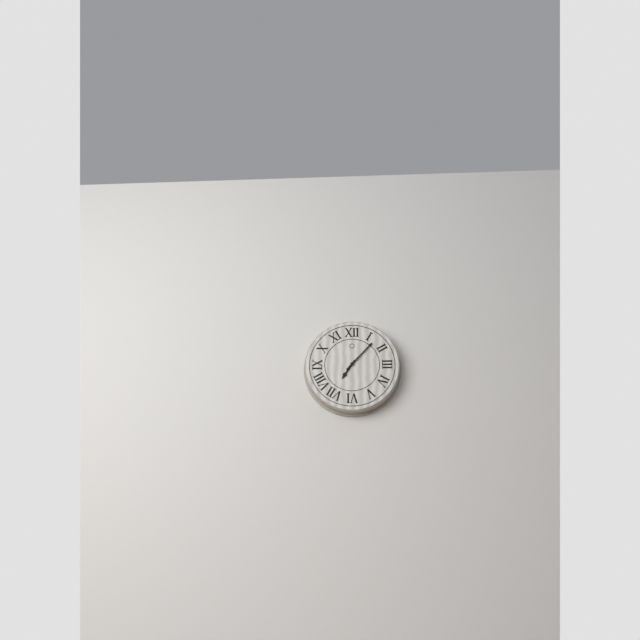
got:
h=7 m=7
